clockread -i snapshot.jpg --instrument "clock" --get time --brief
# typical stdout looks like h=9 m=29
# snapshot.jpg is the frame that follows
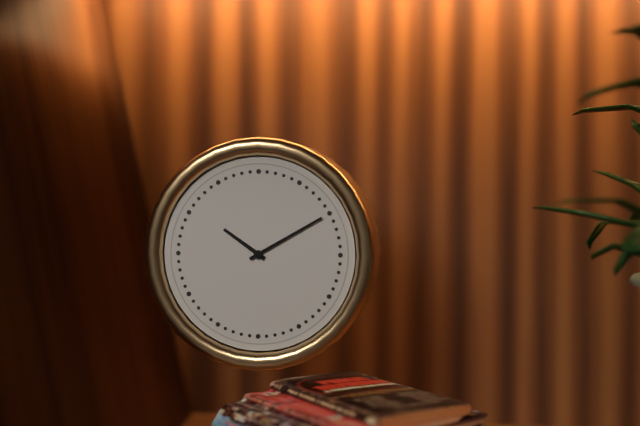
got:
h=10 m=10
